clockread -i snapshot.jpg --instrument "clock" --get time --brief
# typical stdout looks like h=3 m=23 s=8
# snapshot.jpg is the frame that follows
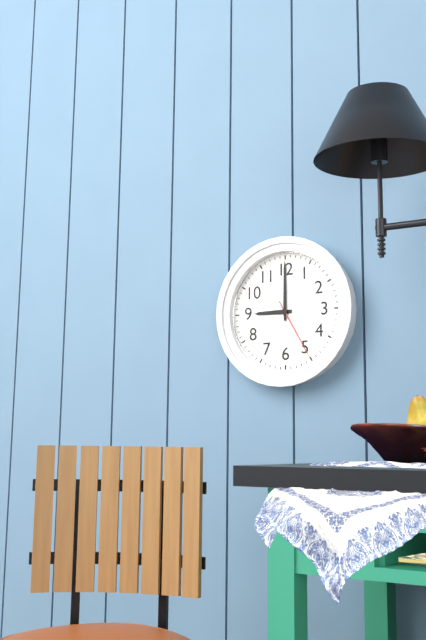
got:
h=9 m=0 s=25
